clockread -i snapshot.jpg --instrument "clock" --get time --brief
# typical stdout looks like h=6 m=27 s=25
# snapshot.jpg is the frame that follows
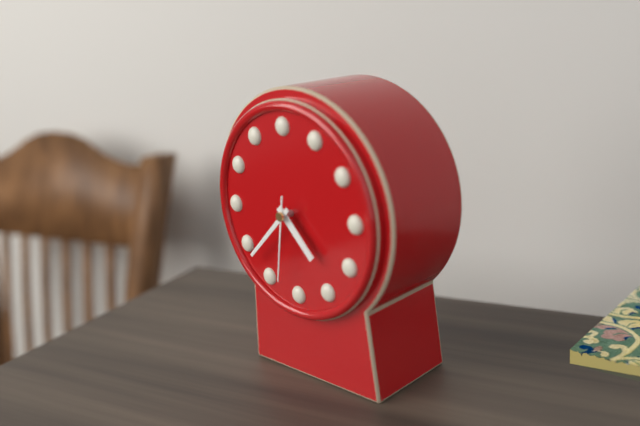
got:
h=4 m=38 s=32
